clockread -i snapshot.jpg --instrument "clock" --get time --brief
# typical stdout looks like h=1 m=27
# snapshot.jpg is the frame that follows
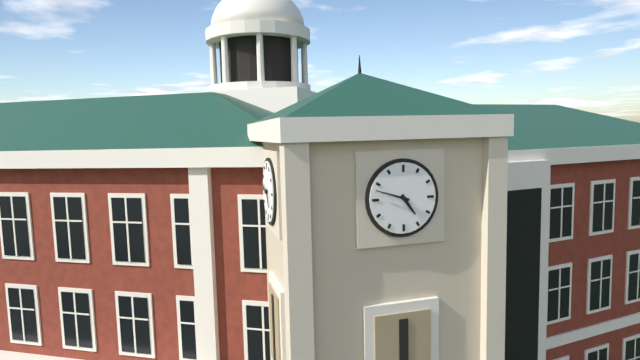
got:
h=4 m=48
